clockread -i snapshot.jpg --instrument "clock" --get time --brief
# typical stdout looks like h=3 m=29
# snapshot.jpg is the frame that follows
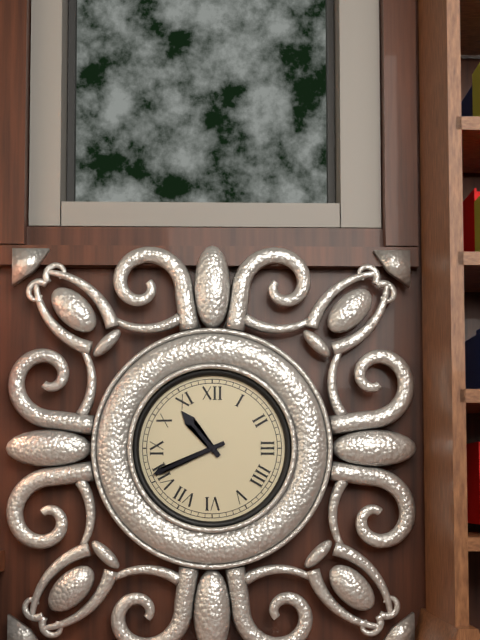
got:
h=10 m=41
